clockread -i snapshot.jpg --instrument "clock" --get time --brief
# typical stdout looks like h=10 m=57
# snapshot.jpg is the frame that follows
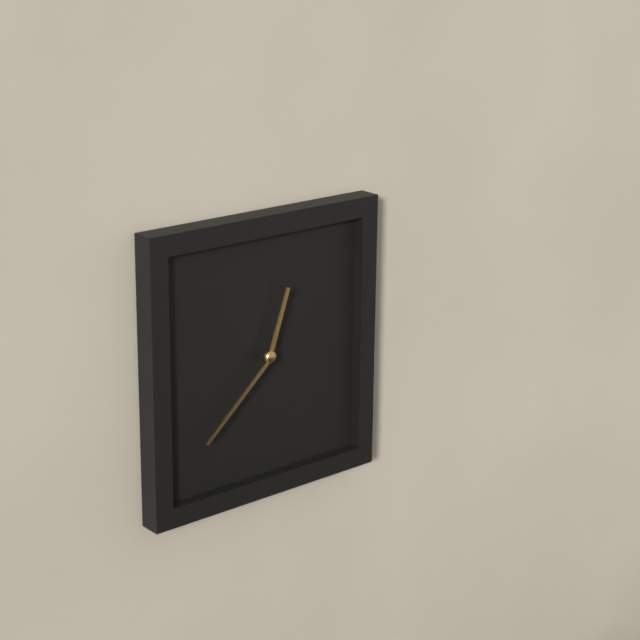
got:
h=12 m=38
